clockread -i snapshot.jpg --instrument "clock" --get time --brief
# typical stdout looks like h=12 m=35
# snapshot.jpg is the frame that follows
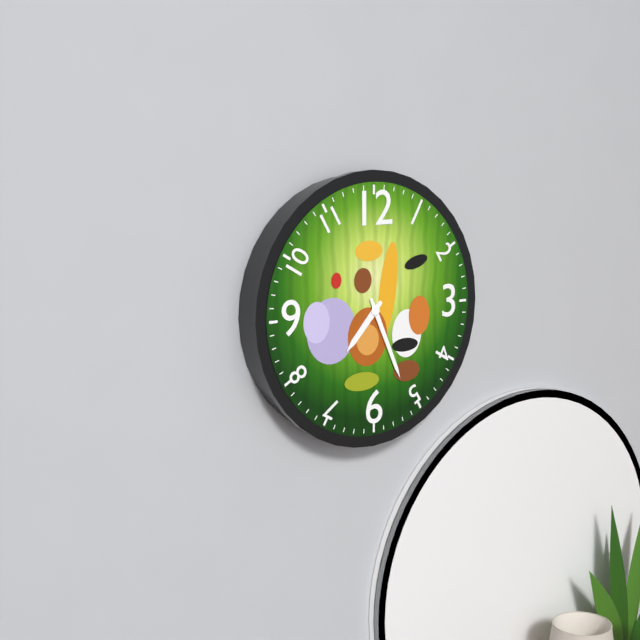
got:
h=7 m=26
